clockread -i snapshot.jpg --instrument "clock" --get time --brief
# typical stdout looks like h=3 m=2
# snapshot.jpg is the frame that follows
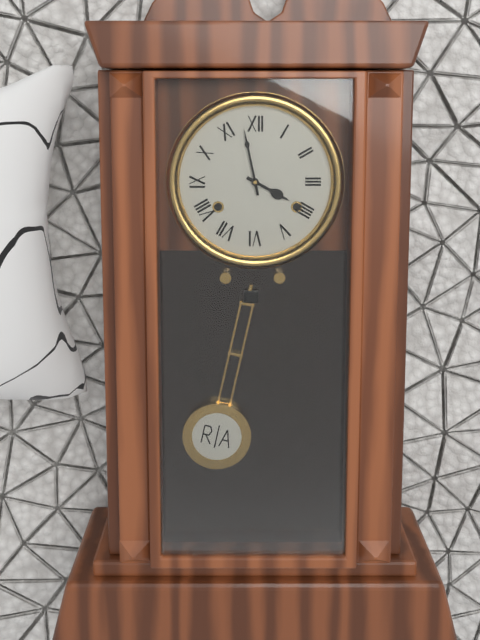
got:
h=3 m=58
